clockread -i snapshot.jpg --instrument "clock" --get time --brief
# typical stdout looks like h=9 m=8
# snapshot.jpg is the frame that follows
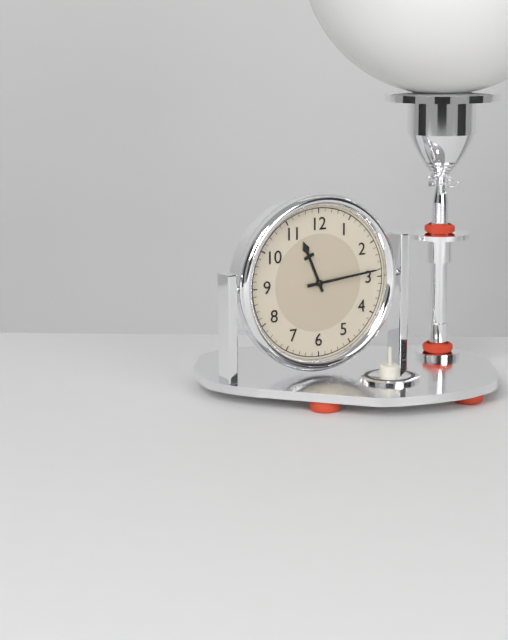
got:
h=11 m=14
